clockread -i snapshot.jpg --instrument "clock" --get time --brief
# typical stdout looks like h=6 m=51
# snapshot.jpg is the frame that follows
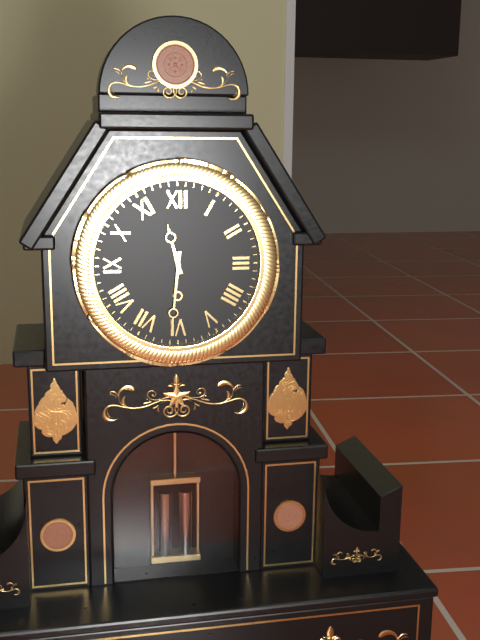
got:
h=11 m=31
